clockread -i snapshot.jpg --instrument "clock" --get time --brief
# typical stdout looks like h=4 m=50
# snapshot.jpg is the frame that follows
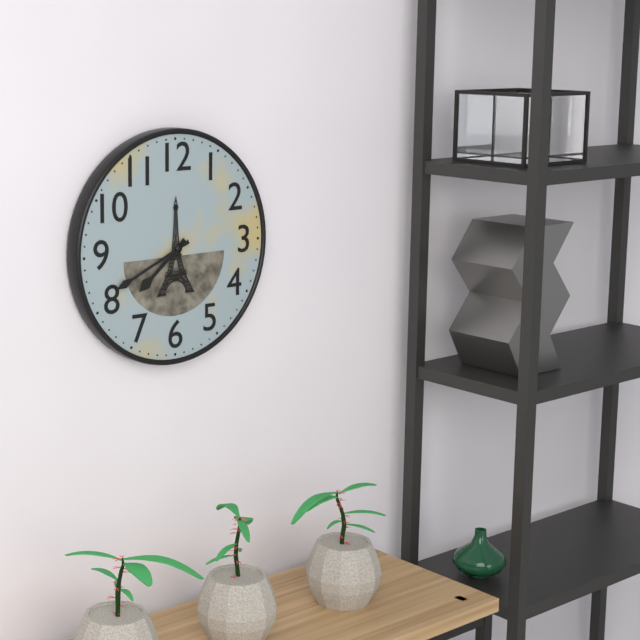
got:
h=7 m=41
